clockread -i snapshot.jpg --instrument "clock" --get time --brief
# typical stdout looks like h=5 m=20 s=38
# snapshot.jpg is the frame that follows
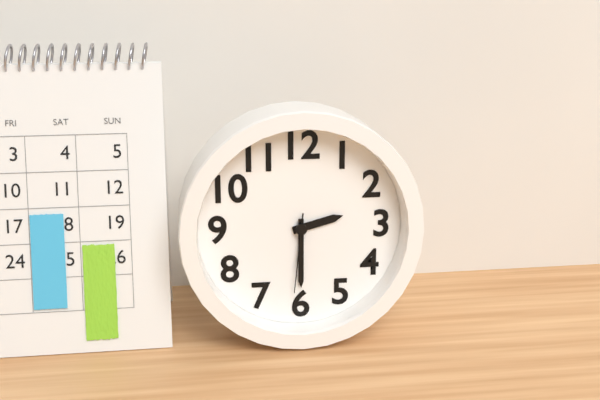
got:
h=2 m=30 s=31
